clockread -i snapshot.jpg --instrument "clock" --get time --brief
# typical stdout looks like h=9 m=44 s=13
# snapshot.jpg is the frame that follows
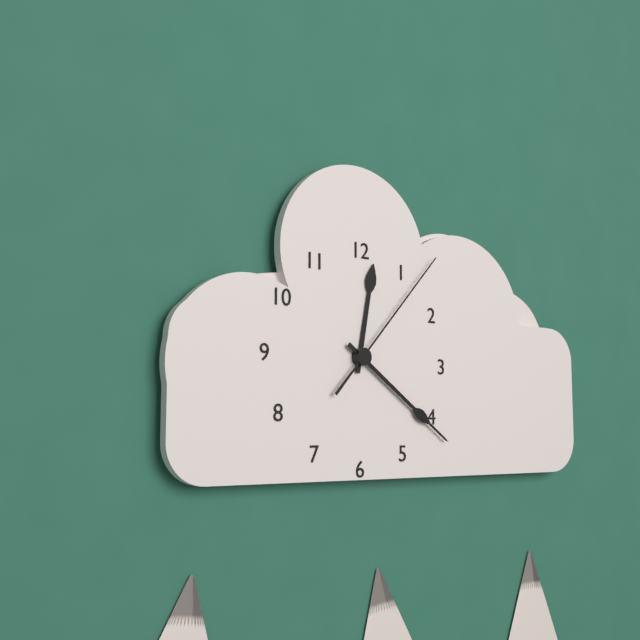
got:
h=12 m=21 s=7
